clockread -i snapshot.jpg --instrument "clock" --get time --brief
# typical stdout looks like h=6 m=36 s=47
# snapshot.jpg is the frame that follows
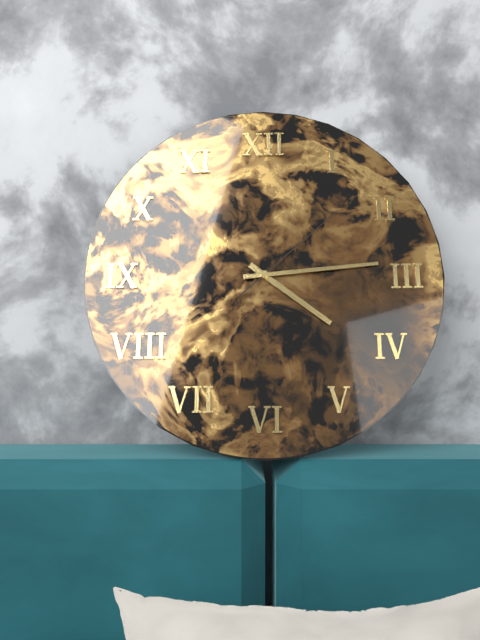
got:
h=4 m=14 s=8
